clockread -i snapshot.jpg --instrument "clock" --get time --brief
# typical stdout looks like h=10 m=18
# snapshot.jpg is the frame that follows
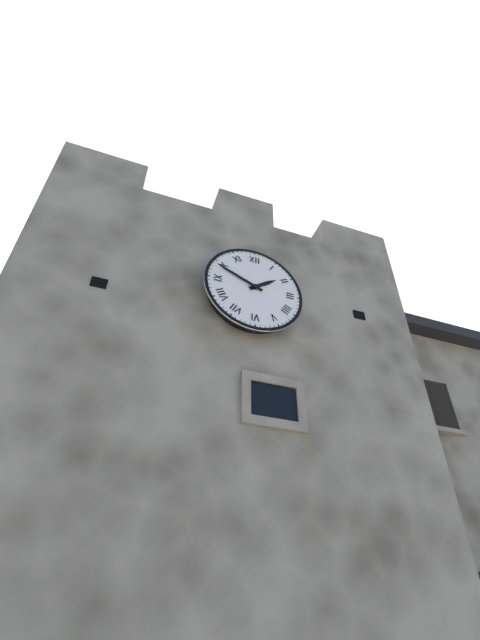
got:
h=1 m=49
